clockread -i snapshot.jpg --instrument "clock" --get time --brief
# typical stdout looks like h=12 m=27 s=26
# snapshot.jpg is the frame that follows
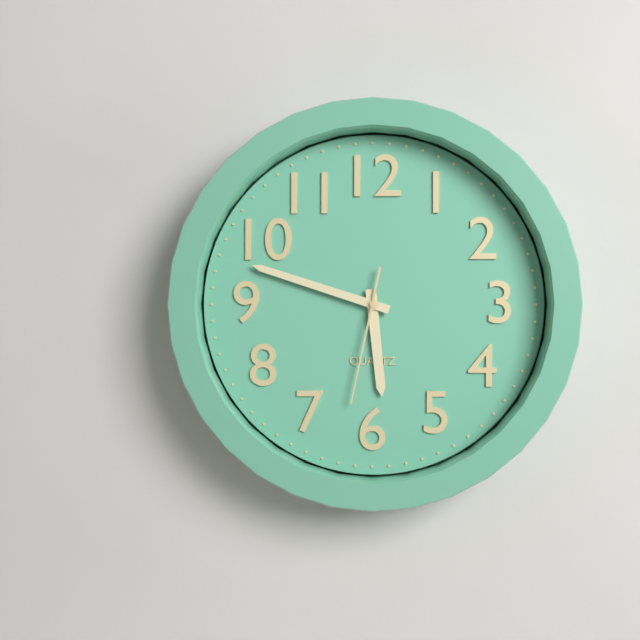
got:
h=5 m=48 s=32
